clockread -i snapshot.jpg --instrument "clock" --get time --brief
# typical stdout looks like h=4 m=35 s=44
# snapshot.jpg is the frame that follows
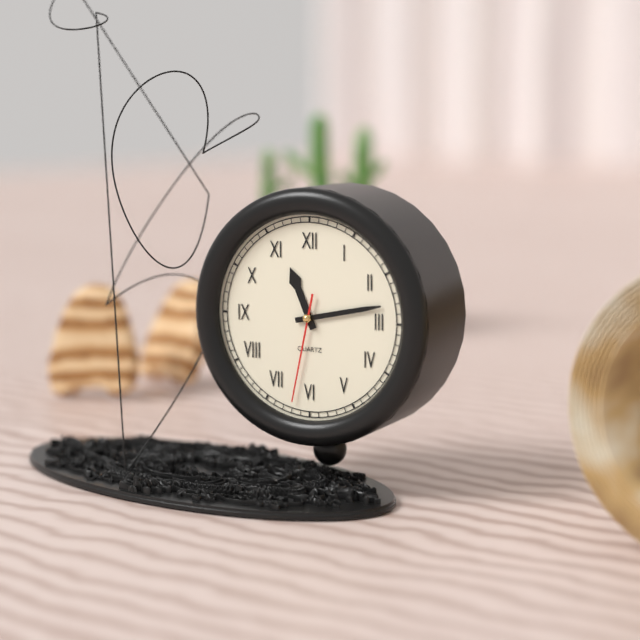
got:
h=11 m=13 s=32
